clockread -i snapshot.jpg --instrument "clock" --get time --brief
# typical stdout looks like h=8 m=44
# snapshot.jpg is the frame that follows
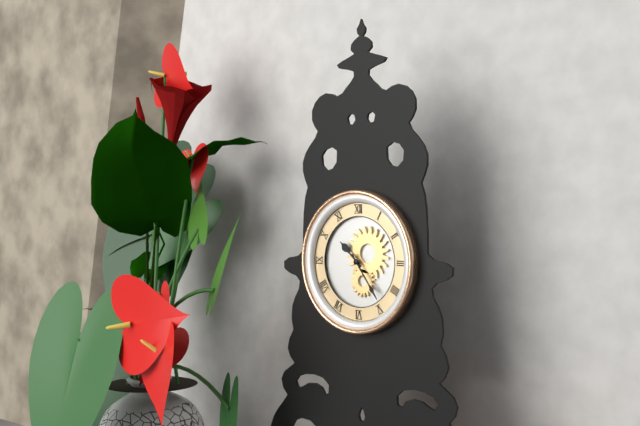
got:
h=10 m=24
